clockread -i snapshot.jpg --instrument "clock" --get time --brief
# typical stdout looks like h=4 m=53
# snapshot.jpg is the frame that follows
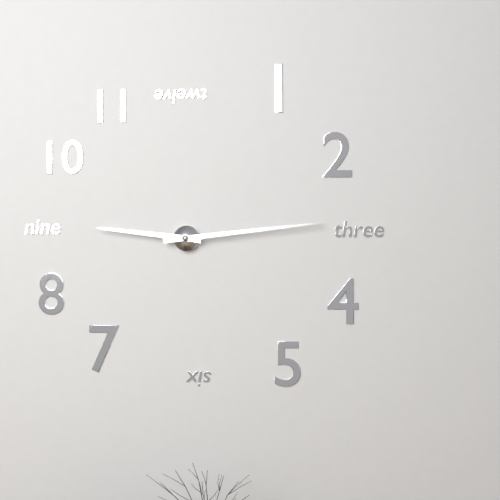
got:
h=9 m=14
